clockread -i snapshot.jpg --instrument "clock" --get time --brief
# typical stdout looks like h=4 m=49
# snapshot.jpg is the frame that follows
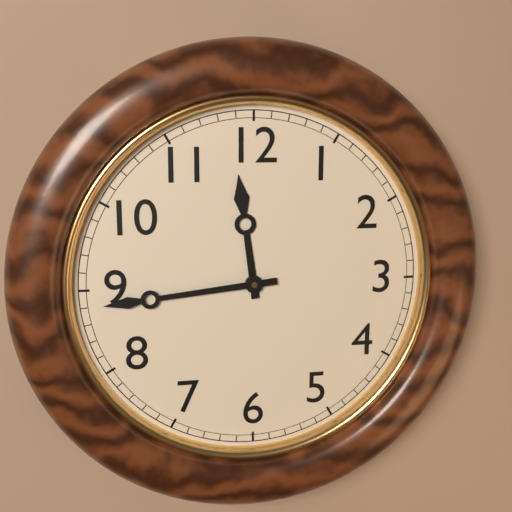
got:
h=11 m=44
